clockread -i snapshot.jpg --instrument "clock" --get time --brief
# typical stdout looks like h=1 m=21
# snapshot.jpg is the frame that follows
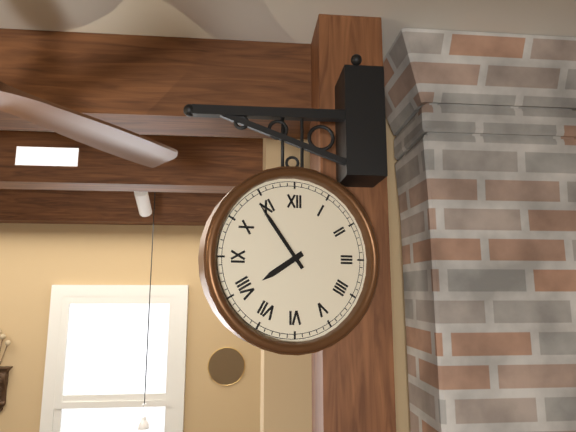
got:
h=7 m=54
